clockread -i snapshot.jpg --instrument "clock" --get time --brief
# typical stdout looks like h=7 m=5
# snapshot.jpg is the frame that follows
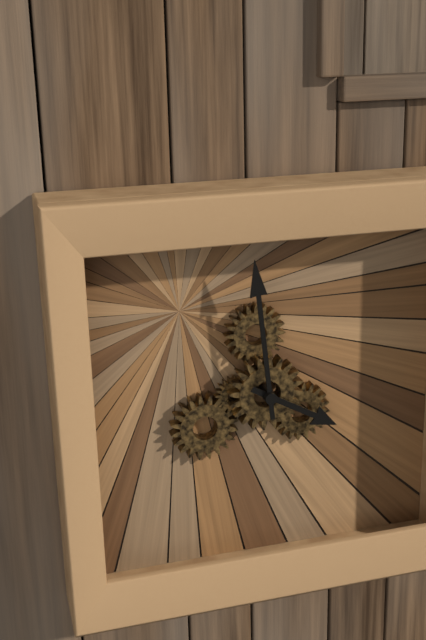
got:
h=3 m=59
